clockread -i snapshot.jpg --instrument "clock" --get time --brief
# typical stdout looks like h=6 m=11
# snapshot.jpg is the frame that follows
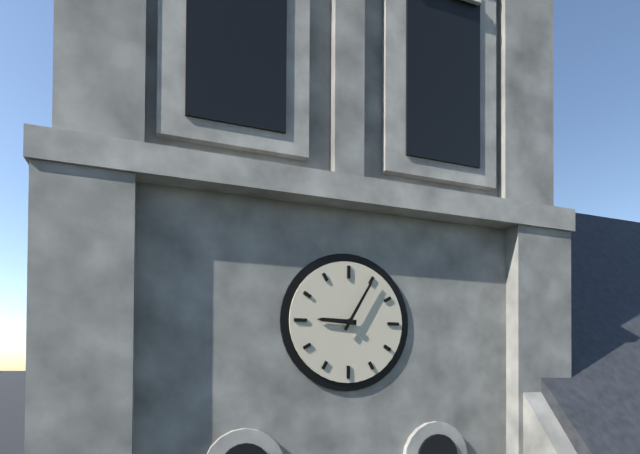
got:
h=9 m=5
